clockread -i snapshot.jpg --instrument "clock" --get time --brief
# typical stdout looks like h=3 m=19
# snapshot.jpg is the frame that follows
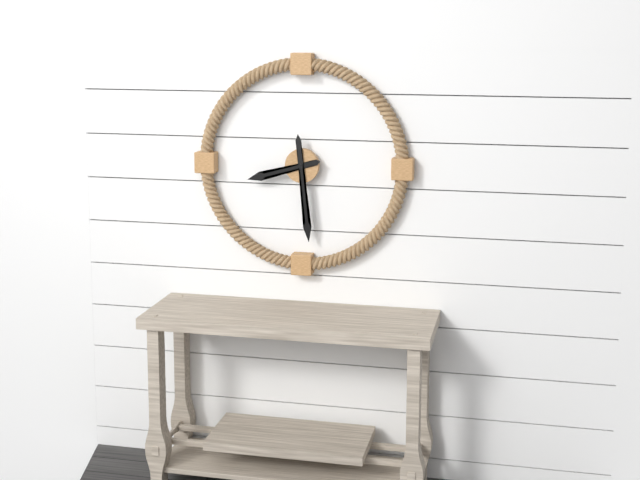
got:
h=8 m=29
